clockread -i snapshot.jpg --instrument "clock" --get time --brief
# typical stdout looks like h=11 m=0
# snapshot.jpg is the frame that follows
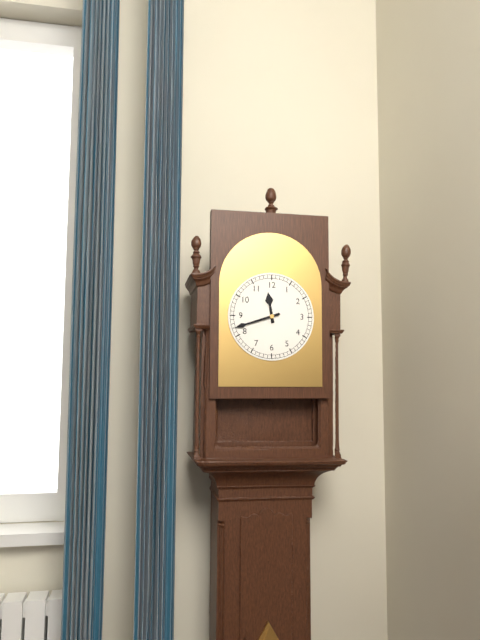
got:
h=11 m=42
